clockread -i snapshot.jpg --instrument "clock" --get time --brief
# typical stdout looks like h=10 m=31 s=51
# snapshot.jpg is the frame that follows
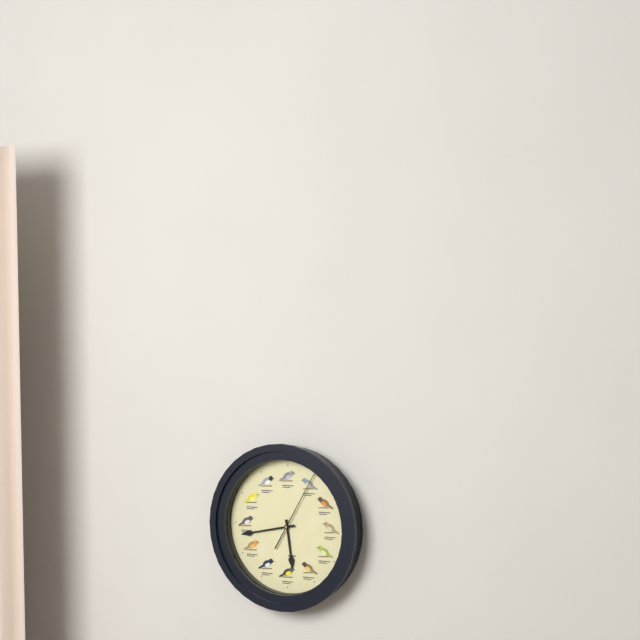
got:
h=5 m=43 s=5
